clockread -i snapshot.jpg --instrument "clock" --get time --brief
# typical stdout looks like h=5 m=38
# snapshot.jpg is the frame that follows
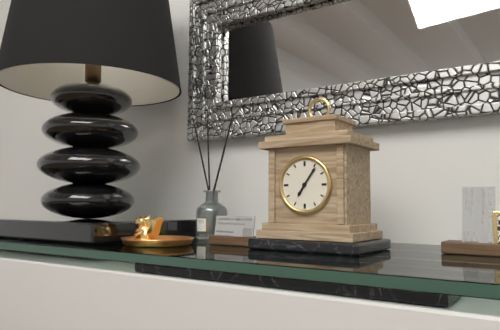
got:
h=7 m=6
